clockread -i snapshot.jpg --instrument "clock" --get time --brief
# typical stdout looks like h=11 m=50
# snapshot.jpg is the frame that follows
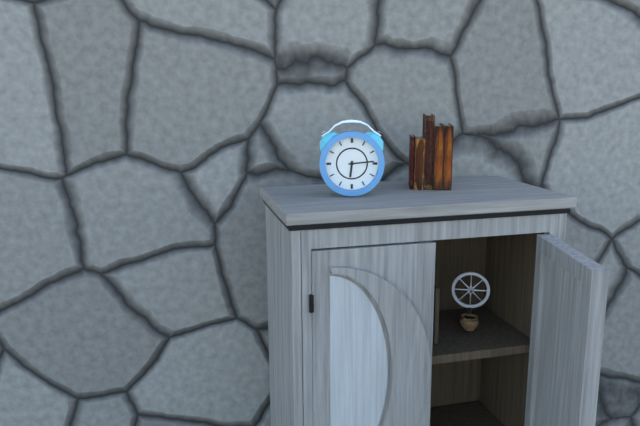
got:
h=6 m=14
